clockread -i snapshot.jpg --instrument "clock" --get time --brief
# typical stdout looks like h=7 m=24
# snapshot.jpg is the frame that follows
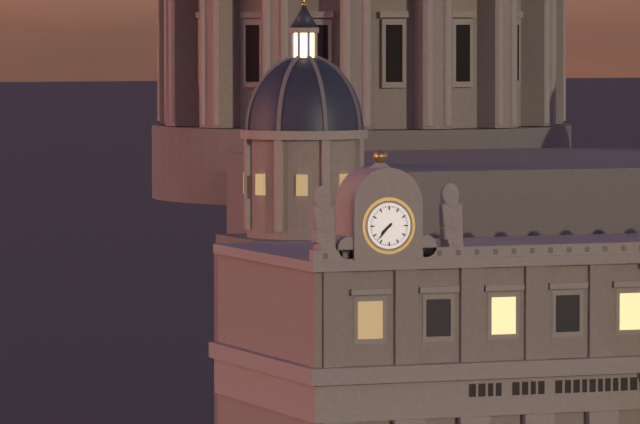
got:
h=7 m=37
